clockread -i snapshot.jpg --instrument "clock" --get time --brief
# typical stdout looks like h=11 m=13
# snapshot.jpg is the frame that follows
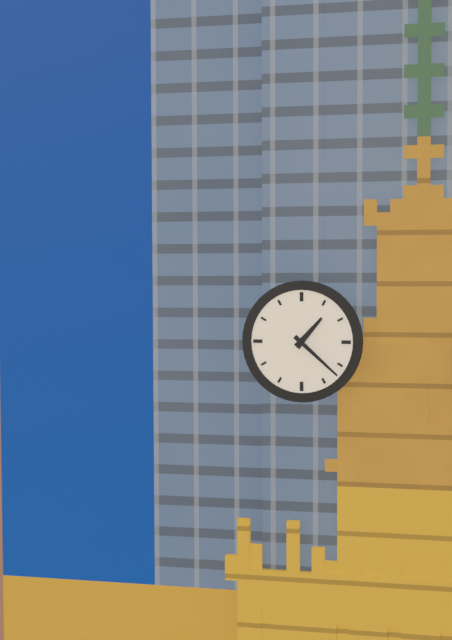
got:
h=1 m=22
